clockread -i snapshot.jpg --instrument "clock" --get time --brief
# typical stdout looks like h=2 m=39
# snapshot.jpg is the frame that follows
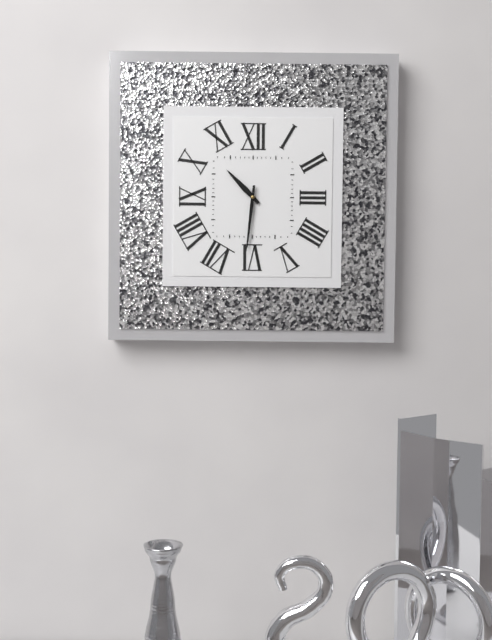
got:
h=10 m=31
